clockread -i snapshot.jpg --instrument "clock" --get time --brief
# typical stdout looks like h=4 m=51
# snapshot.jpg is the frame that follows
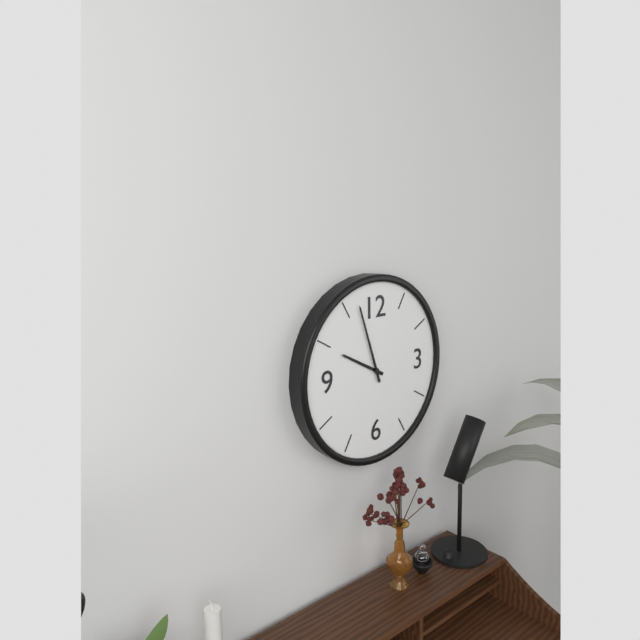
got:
h=9 m=57
